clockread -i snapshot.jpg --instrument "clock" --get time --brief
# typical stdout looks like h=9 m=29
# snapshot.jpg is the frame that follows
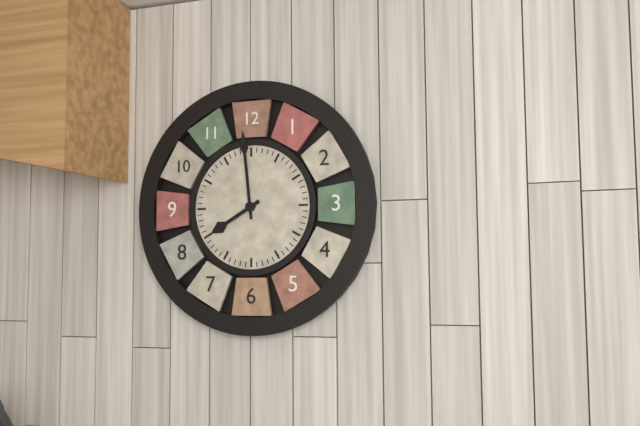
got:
h=7 m=59
